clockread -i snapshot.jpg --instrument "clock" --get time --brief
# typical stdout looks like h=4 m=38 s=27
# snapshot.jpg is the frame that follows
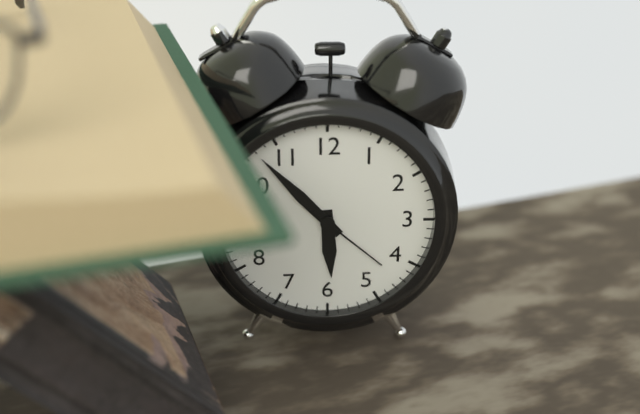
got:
h=5 m=53 s=22
